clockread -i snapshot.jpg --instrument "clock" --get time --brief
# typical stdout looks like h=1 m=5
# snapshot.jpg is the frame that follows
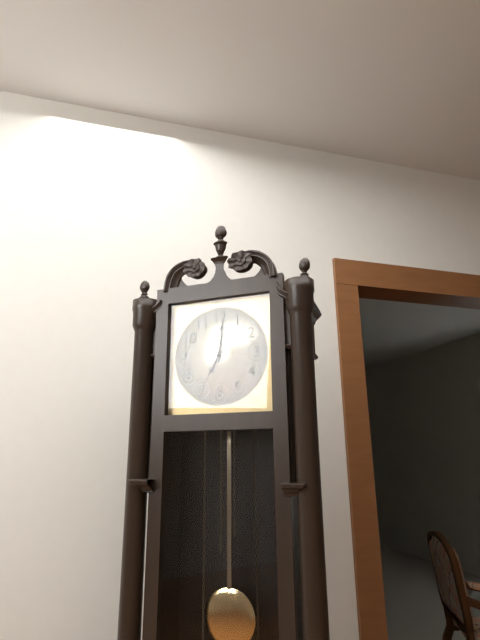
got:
h=7 m=1
